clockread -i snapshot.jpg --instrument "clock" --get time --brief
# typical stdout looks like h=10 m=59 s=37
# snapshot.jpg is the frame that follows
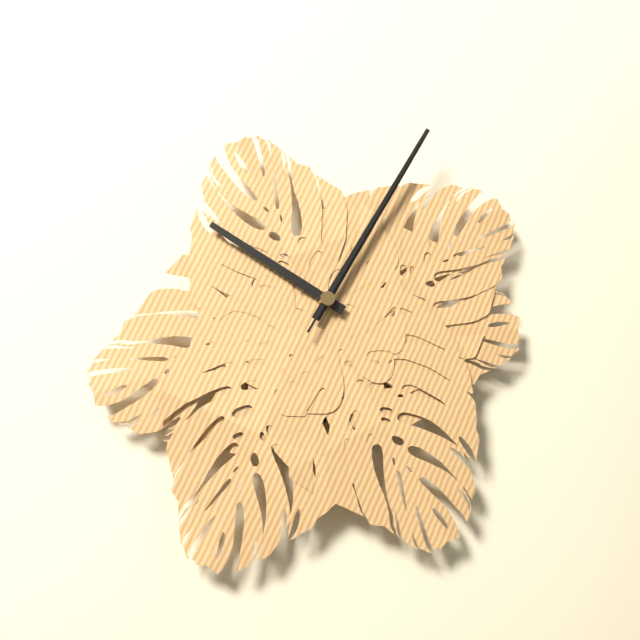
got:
h=10 m=5 s=5
